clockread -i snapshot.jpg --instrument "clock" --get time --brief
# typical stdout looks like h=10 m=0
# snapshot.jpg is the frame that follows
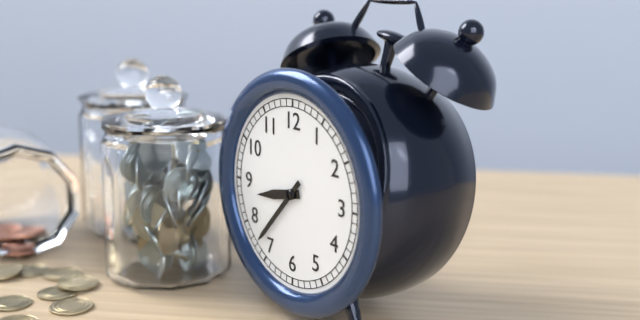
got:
h=8 m=37
